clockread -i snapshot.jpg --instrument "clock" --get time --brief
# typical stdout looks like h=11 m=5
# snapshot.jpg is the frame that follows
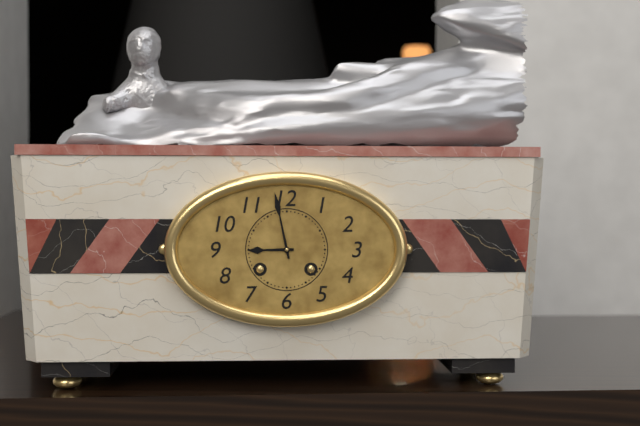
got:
h=8 m=58
